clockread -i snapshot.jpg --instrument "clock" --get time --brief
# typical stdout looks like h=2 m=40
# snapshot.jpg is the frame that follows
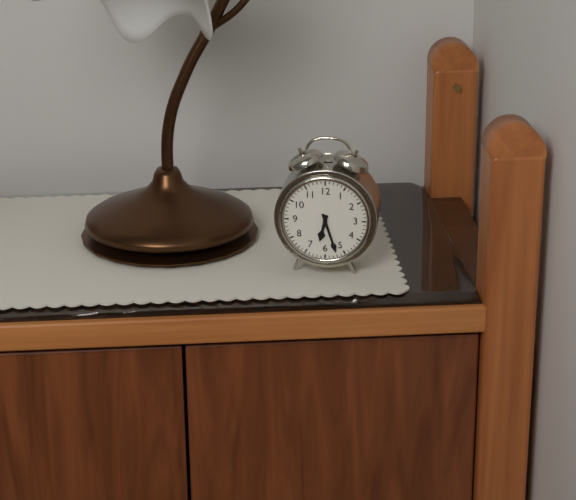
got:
h=6 m=27
